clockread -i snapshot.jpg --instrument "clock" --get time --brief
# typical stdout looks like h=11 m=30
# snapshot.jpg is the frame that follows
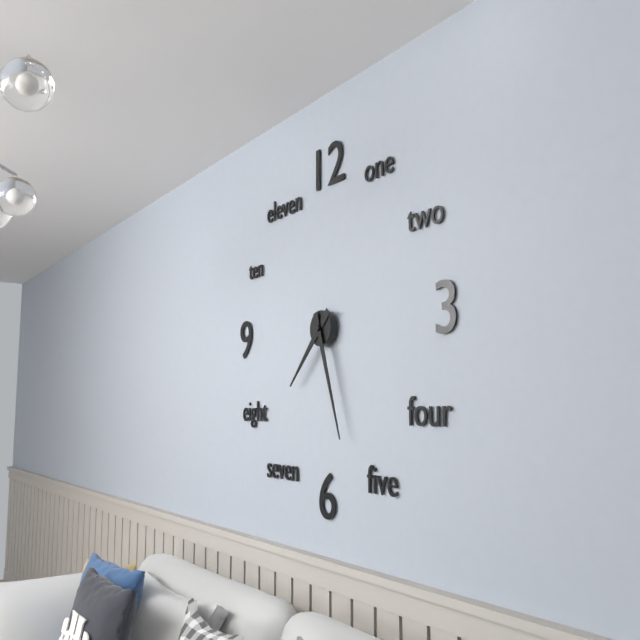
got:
h=7 m=27
